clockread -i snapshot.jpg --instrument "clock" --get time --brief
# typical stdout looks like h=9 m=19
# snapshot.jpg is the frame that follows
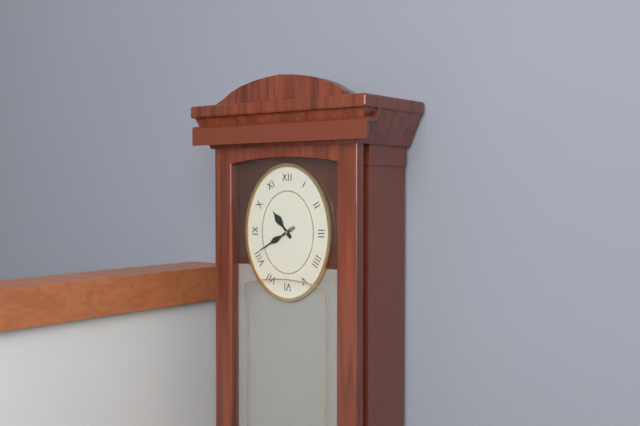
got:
h=10 m=40
